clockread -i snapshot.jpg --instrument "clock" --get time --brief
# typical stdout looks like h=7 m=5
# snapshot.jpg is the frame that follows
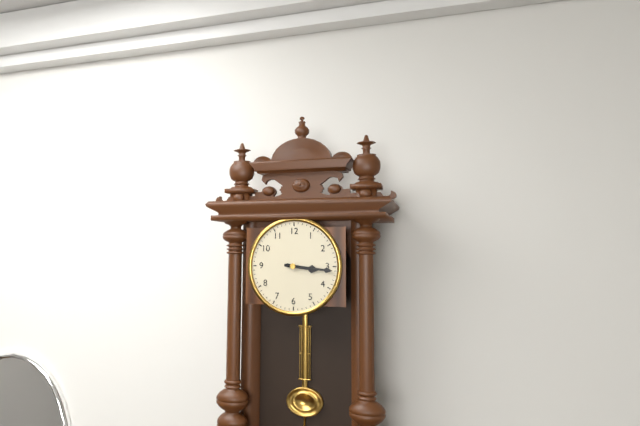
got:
h=3 m=16
